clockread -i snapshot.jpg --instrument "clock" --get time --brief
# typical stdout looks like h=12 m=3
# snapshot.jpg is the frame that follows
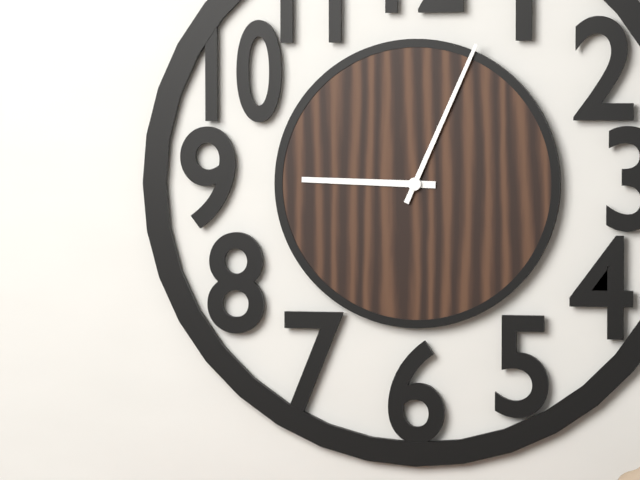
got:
h=9 m=4
